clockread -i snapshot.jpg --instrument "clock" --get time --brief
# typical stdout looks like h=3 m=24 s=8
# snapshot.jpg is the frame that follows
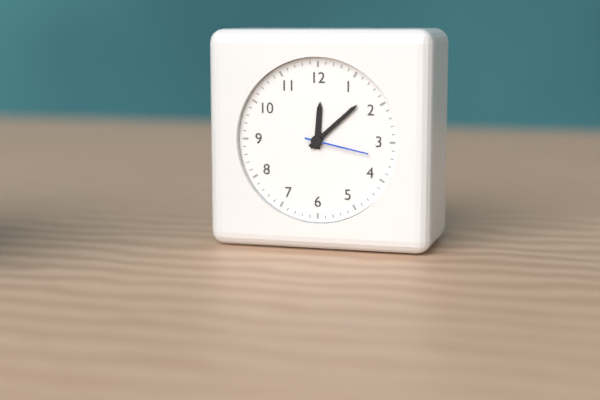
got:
h=12 m=8 s=17
